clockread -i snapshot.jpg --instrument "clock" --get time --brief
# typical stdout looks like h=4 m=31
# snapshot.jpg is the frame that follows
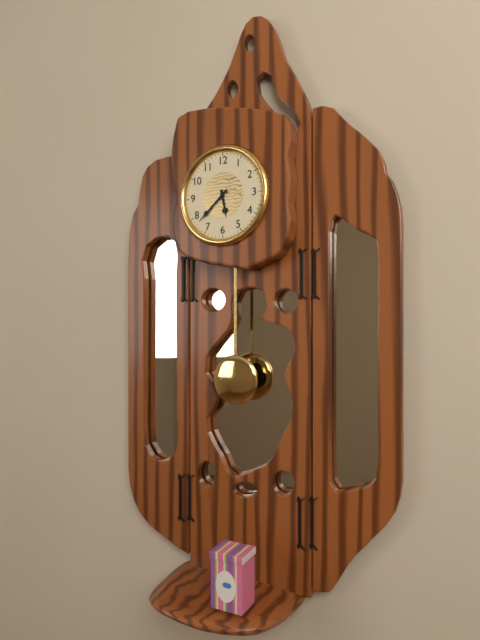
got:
h=5 m=38
